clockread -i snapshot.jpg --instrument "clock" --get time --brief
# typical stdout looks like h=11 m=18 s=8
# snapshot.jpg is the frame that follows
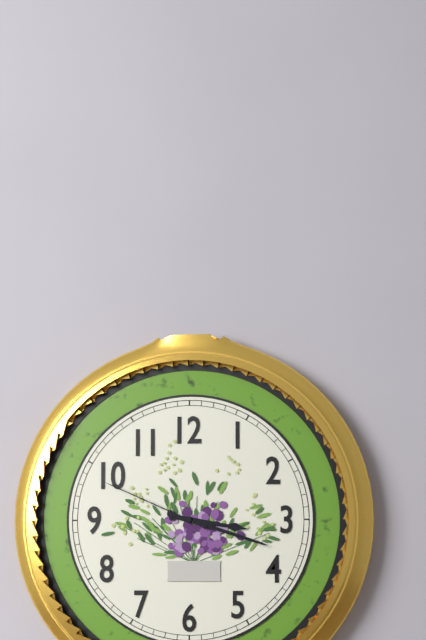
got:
h=3 m=18 s=49
